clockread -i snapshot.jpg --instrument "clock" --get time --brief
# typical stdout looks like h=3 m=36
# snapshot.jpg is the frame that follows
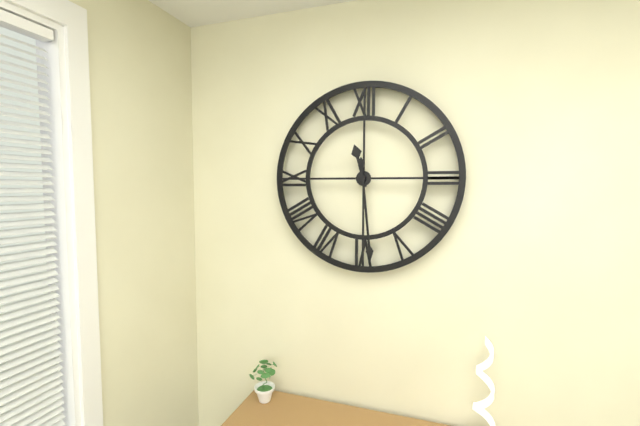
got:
h=11 m=29
